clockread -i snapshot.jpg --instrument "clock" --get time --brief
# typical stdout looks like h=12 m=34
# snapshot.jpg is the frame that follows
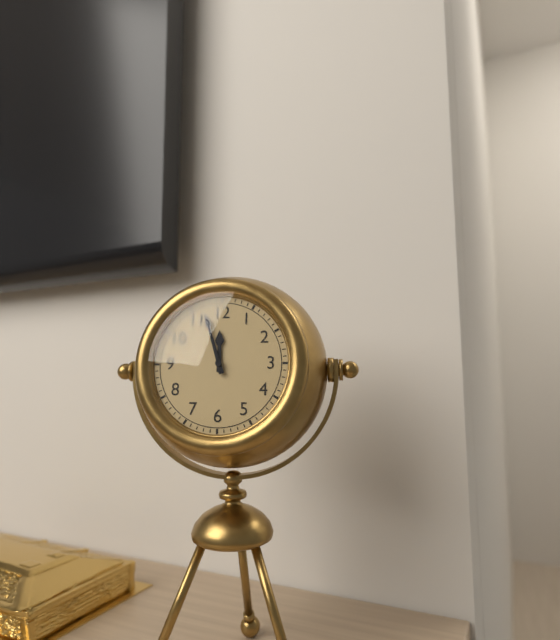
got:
h=11 m=57
